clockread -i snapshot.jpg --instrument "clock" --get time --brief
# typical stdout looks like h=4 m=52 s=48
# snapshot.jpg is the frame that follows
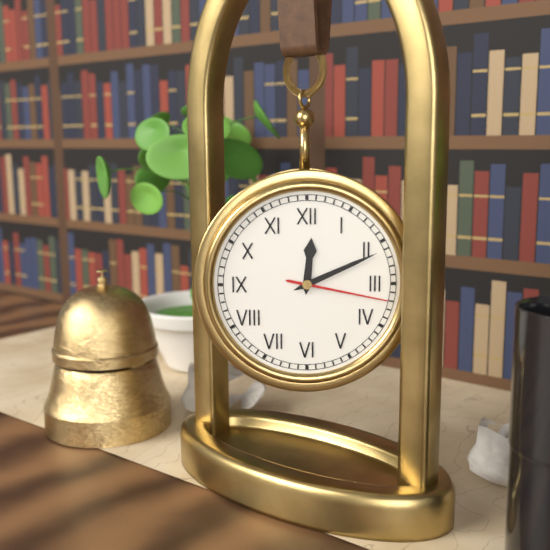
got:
h=12 m=11 s=17
